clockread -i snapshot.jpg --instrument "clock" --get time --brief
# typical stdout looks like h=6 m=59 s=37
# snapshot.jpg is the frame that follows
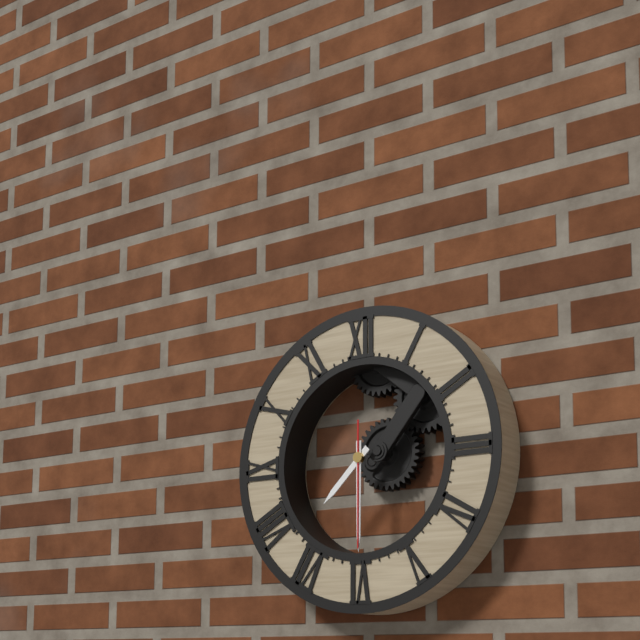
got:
h=7 m=30 s=30
